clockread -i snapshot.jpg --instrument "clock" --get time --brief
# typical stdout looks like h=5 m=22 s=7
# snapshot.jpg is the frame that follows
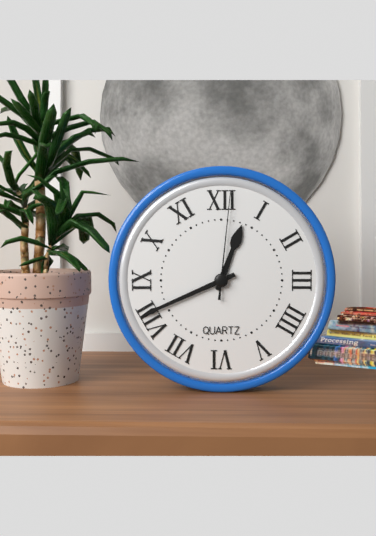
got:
h=12 m=41 s=1
